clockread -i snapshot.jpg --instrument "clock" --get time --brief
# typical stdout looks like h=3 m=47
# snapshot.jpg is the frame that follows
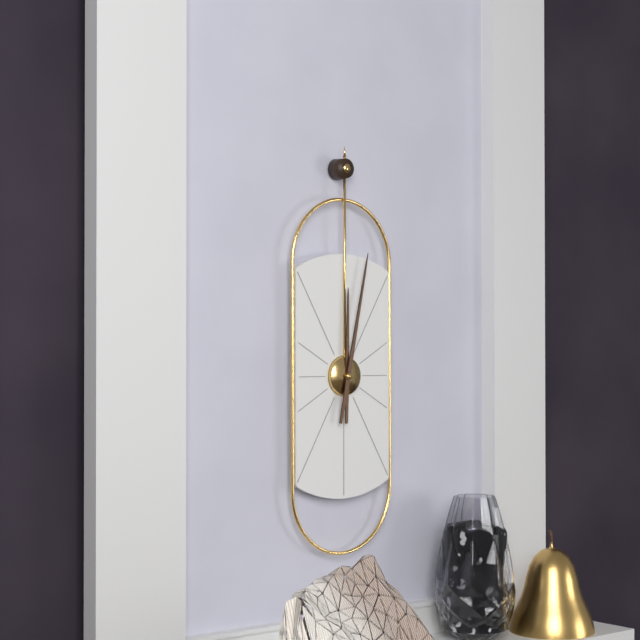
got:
h=12 m=2
